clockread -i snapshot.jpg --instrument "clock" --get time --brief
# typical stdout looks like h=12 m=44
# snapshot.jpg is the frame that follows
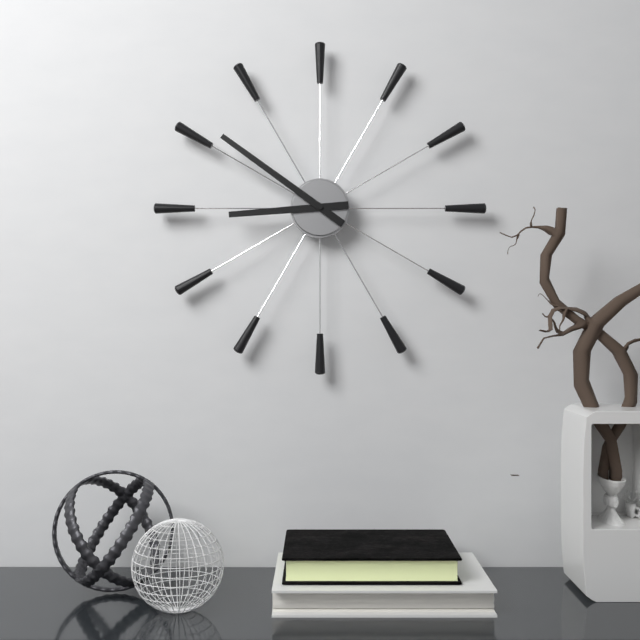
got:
h=8 m=51
